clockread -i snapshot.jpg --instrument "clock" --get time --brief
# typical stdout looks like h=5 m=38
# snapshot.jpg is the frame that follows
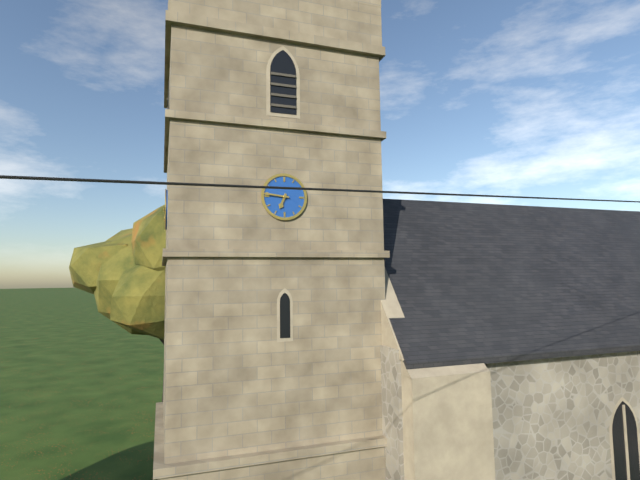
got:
h=6 m=46
